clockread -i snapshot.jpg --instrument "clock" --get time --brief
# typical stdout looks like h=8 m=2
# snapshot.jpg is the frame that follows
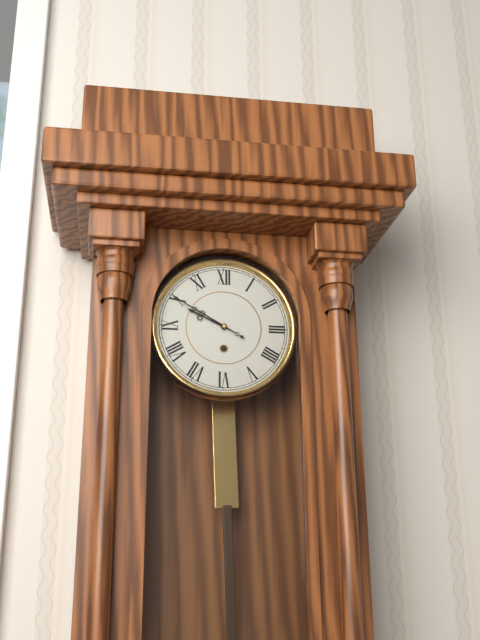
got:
h=9 m=50
